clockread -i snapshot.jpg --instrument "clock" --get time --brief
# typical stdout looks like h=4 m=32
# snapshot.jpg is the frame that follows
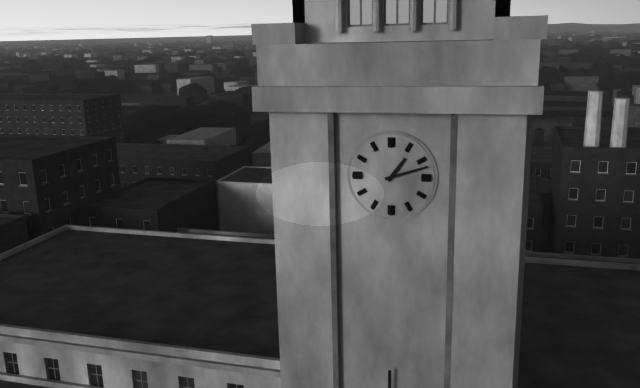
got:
h=1 m=12
